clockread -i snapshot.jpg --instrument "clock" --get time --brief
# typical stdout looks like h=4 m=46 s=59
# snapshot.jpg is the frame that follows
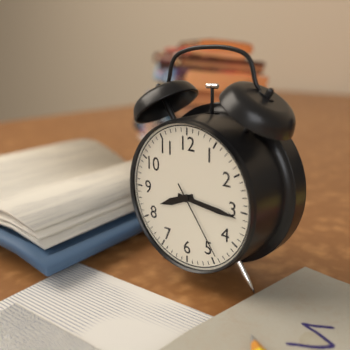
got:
h=8 m=16 s=24
